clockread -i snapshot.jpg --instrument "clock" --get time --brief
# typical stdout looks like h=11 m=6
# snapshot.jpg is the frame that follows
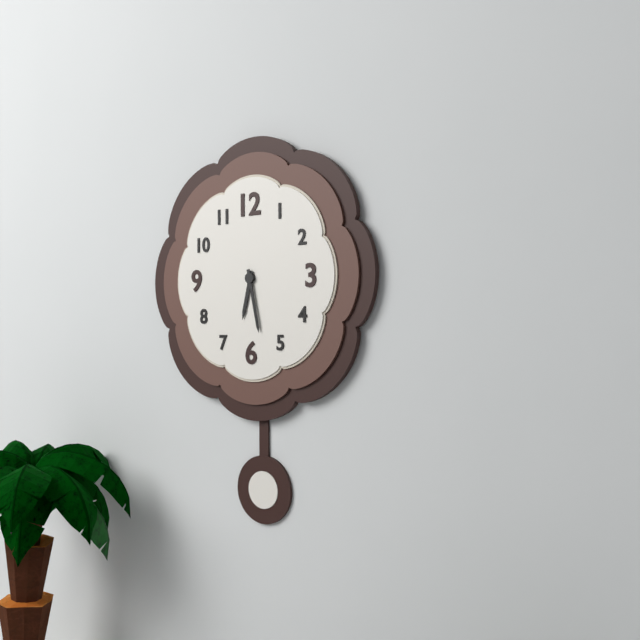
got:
h=6 m=28
